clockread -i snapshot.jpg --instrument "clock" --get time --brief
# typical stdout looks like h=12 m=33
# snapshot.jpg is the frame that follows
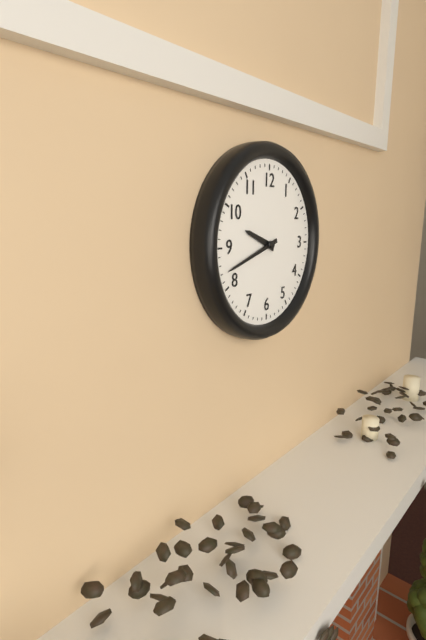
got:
h=9 m=42
